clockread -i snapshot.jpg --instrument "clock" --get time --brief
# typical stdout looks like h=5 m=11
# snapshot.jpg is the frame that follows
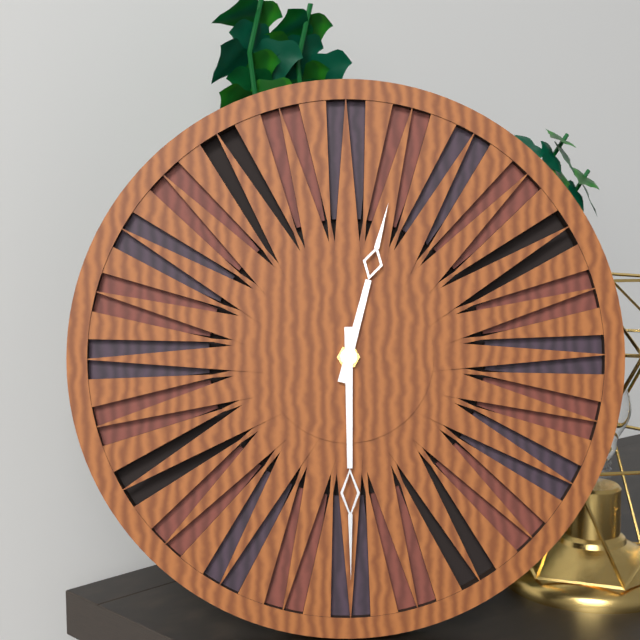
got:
h=12 m=30
